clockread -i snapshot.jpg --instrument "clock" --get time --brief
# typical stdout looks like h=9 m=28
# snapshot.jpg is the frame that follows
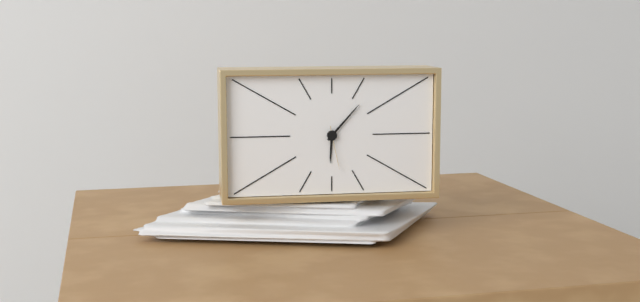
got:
h=6 m=7
